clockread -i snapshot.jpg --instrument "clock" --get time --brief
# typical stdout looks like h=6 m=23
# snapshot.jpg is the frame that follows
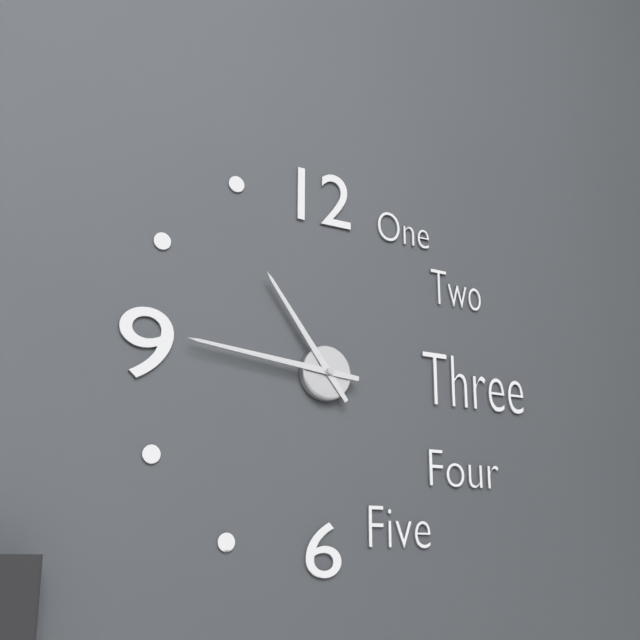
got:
h=10 m=46
